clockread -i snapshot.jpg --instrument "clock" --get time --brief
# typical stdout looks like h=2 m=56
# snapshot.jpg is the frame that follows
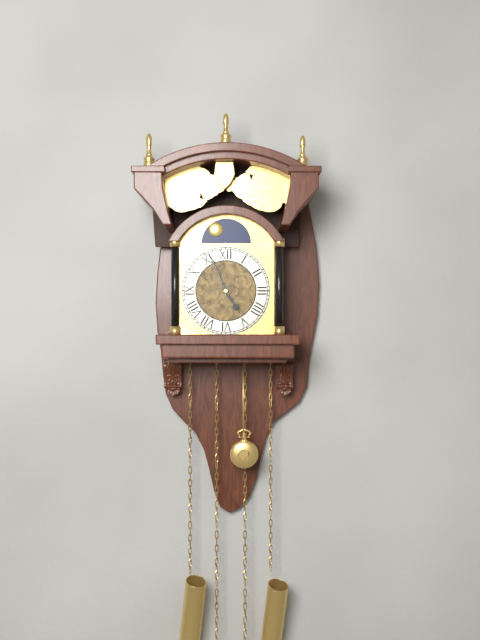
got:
h=4 m=56
